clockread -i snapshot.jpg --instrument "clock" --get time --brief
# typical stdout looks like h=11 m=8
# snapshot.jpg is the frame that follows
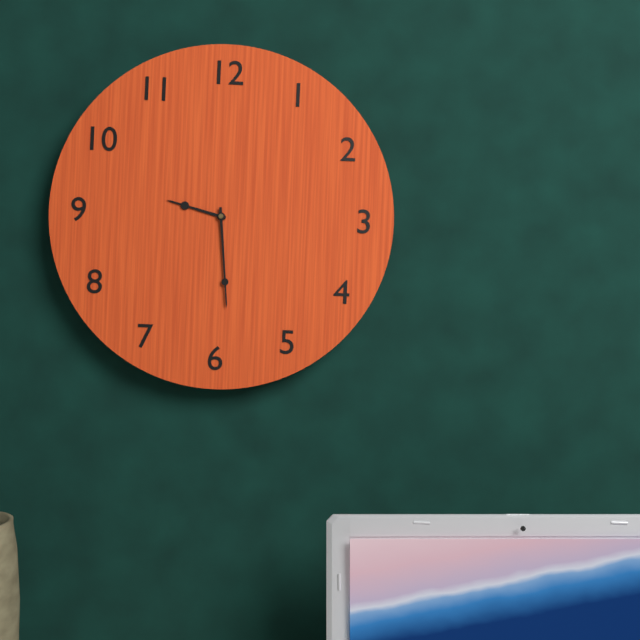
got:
h=9 m=29
